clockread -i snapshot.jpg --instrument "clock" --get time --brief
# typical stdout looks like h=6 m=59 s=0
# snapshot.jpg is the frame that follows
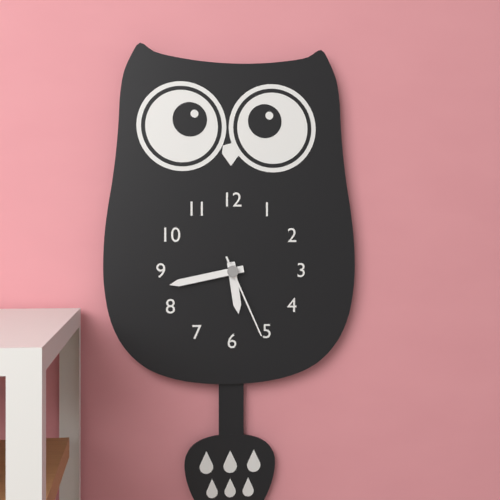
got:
h=5 m=43 s=26
